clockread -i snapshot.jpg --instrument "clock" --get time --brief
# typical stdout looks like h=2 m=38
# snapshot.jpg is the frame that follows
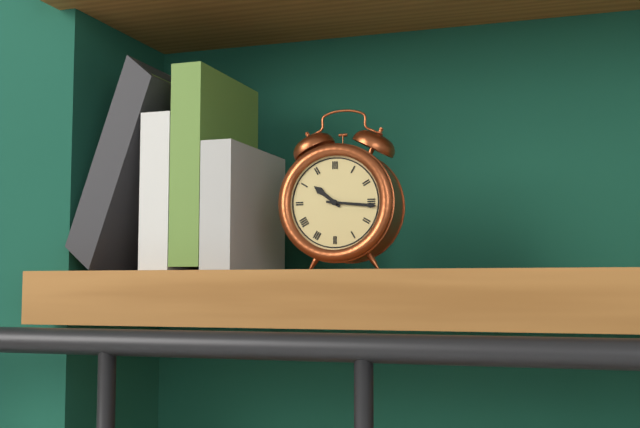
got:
h=10 m=16
